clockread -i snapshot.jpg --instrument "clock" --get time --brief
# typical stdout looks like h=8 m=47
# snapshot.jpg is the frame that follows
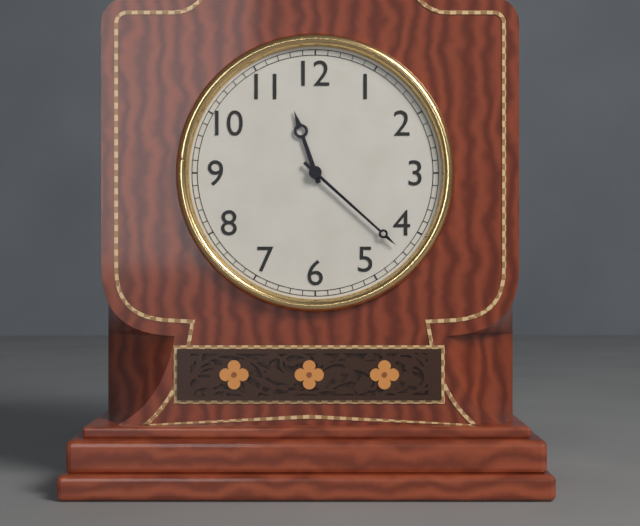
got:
h=11 m=22
